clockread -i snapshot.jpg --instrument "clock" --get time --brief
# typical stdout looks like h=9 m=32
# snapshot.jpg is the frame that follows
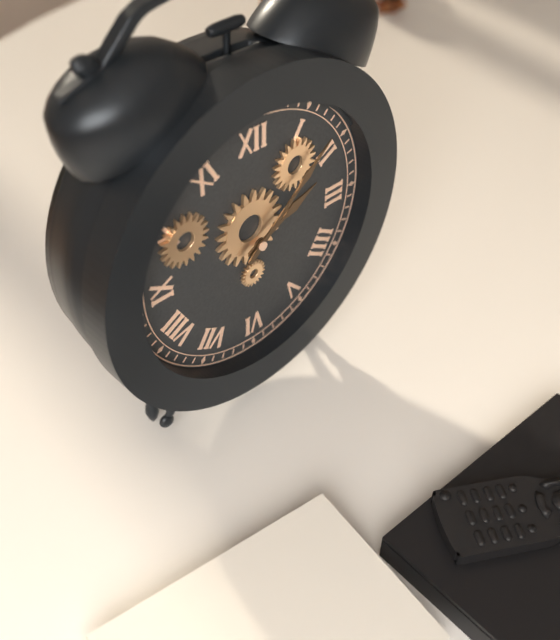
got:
h=2 m=8
